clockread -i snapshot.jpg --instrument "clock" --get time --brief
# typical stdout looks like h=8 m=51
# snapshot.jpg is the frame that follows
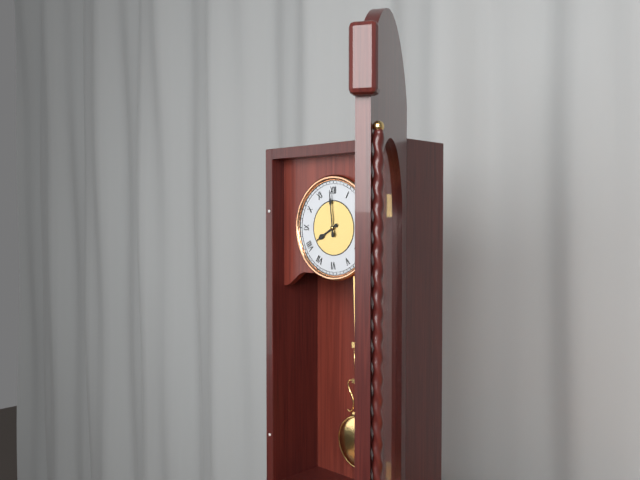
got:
h=7 m=59
